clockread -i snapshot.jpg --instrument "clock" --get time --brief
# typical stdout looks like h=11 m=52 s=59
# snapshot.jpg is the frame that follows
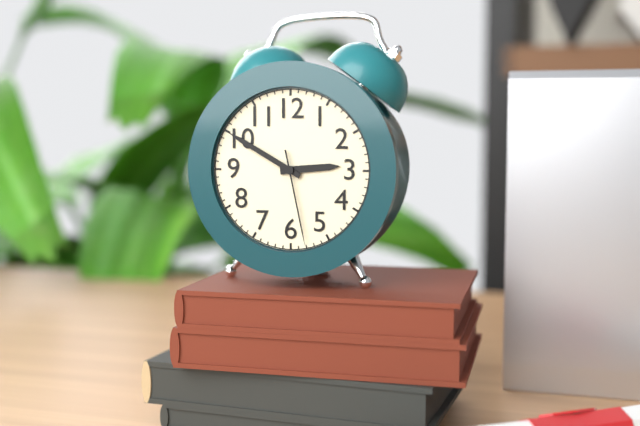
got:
h=2 m=50 s=28
